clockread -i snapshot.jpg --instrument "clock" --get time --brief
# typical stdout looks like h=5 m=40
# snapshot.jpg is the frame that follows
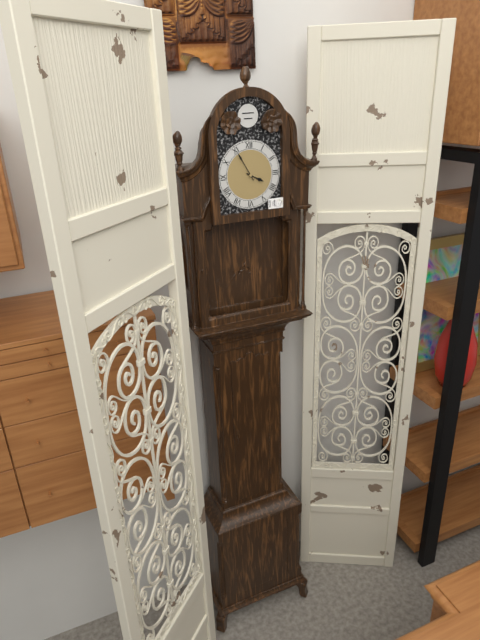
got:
h=3 m=55
